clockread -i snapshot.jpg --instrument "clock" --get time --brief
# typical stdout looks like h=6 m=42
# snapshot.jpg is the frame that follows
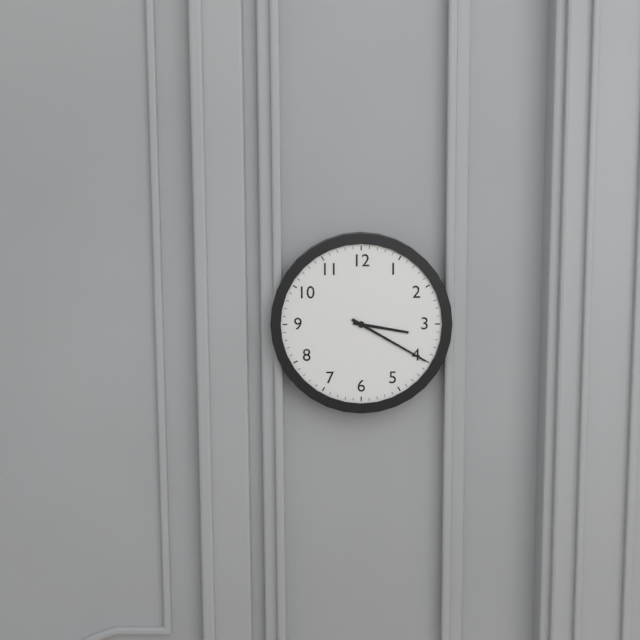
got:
h=3 m=20
